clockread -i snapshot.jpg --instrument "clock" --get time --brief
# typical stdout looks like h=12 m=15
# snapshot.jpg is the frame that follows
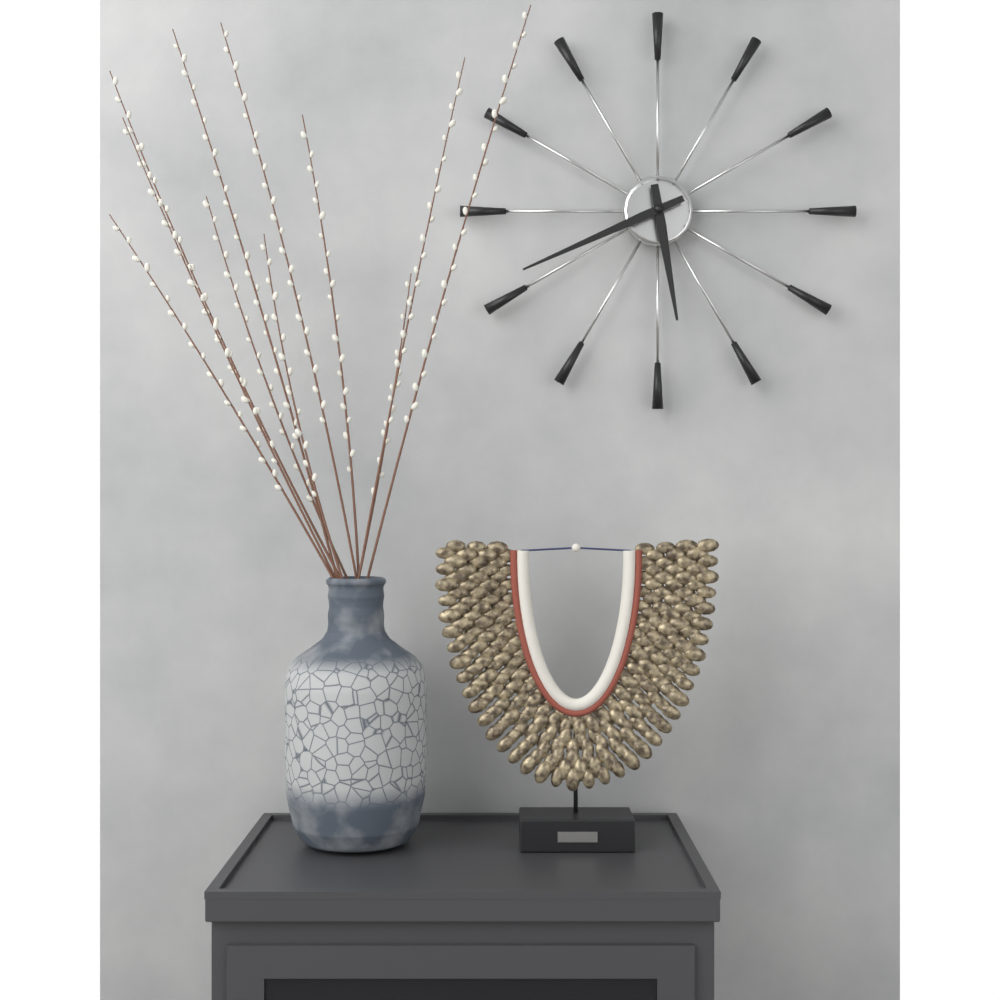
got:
h=5 m=41
